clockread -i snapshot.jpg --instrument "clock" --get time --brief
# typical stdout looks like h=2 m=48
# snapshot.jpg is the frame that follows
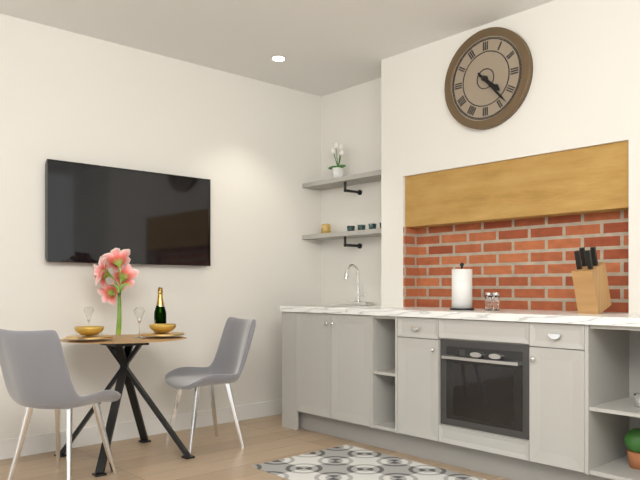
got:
h=4 m=23
